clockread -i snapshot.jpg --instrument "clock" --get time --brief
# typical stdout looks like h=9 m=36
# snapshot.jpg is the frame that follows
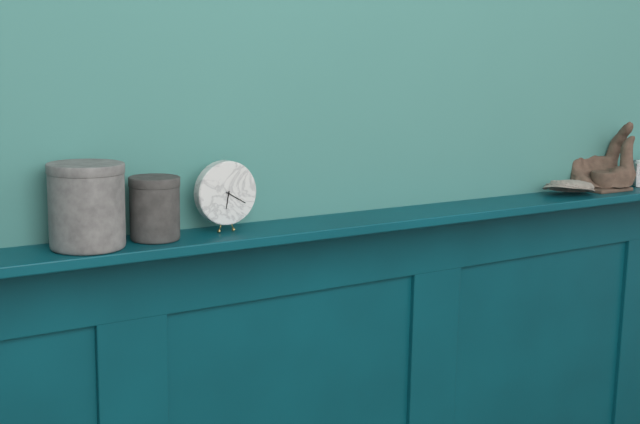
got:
h=6 m=20
